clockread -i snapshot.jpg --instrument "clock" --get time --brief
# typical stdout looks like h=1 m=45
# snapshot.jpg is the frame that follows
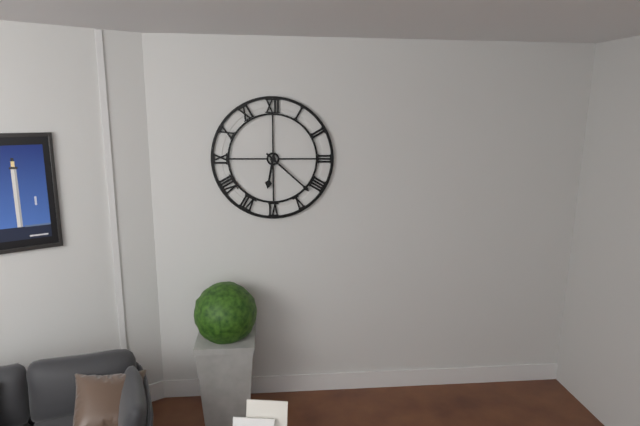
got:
h=6 m=22
